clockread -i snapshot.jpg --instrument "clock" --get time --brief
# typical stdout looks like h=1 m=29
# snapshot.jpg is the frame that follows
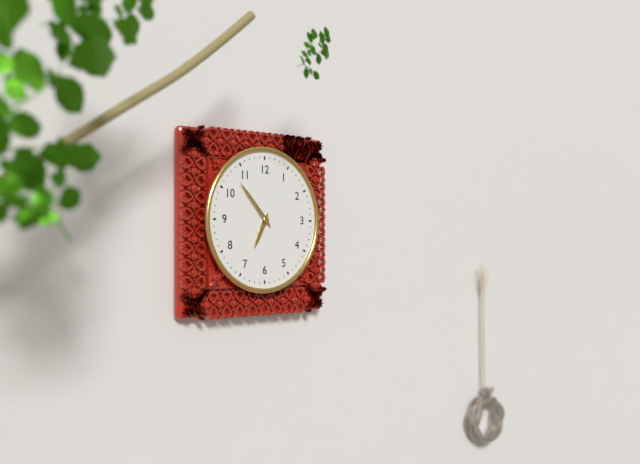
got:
h=6 m=53
